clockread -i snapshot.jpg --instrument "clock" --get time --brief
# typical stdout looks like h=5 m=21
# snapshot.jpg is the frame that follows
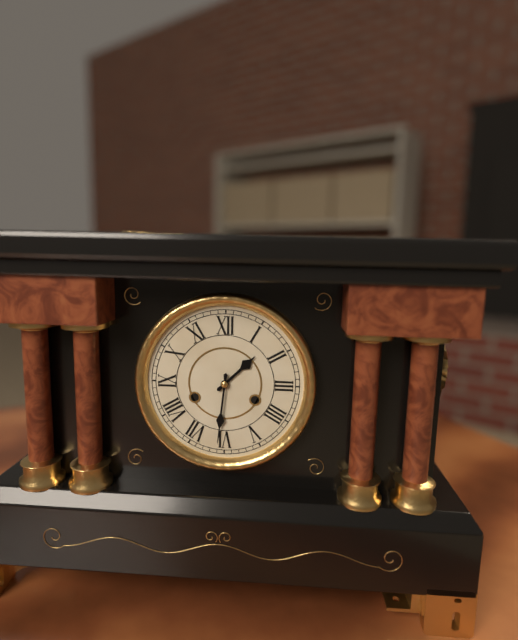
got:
h=1 m=31
